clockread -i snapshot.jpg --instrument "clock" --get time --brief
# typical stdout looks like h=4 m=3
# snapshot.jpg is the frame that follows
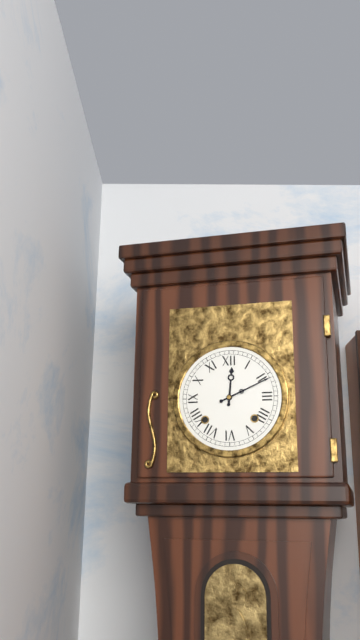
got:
h=12 m=11
